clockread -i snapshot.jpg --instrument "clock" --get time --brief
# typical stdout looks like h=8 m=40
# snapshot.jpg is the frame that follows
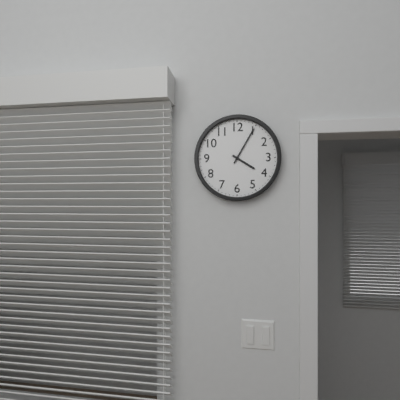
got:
h=4 m=5
